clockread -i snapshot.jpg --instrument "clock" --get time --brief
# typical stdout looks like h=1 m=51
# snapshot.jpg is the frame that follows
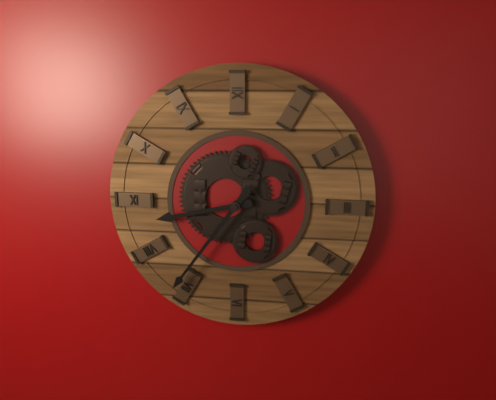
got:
h=8 m=36
